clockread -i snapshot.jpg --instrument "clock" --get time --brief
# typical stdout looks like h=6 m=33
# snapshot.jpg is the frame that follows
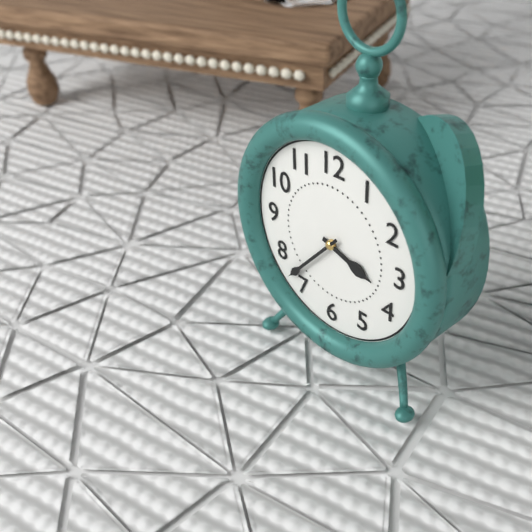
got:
h=3 m=37
